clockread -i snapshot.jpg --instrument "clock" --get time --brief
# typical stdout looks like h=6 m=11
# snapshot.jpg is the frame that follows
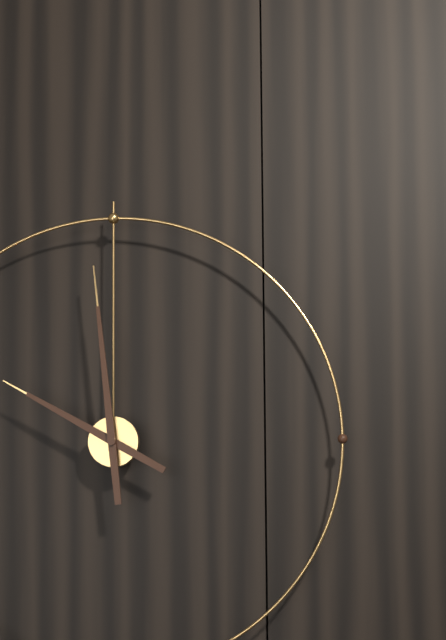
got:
h=9 m=59
